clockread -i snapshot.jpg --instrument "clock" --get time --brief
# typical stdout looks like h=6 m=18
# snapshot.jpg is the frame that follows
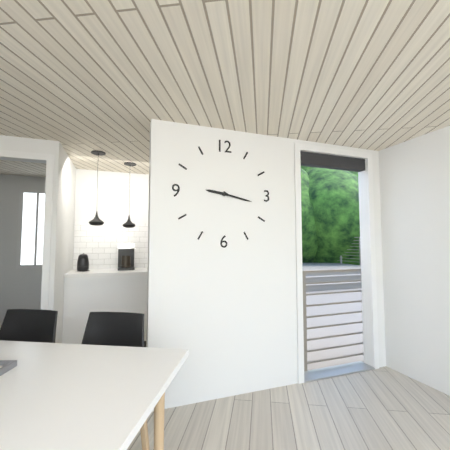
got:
h=9 m=17
